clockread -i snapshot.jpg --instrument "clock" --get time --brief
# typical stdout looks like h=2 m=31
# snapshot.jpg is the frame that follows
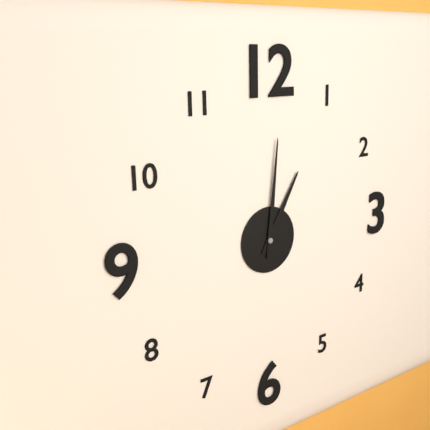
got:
h=1 m=1
